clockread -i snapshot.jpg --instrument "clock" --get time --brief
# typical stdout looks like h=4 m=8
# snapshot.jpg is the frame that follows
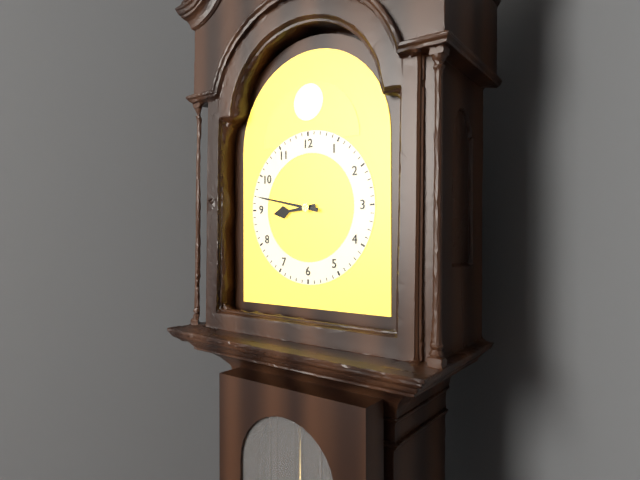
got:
h=8 m=47
